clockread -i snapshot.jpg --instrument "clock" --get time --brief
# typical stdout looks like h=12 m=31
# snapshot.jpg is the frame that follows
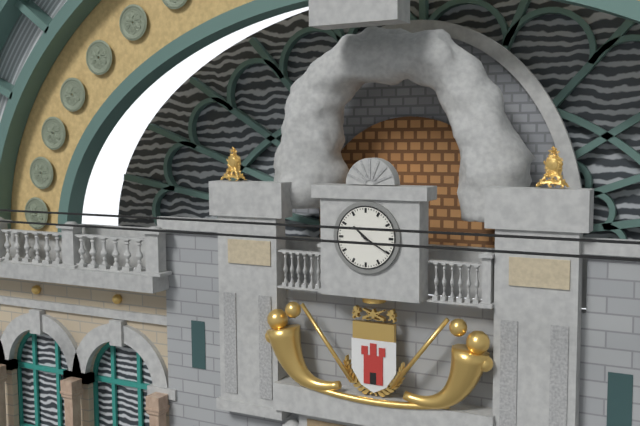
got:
h=10 m=20
